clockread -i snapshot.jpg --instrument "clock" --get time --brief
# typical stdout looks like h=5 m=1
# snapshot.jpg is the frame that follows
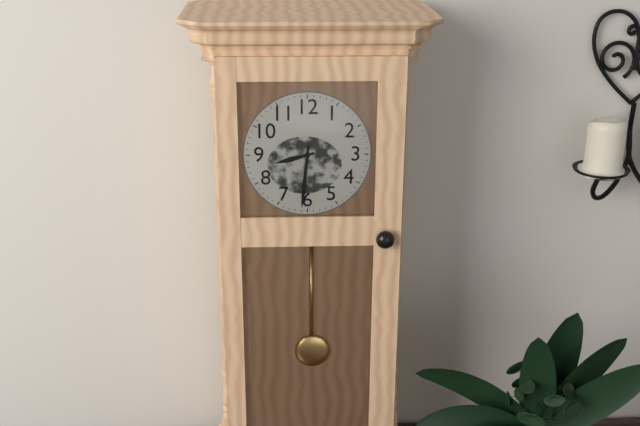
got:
h=8 m=31
